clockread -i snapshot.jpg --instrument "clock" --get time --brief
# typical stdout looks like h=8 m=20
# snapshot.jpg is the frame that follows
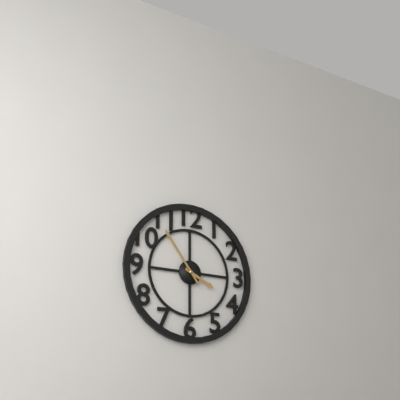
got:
h=3 m=54
